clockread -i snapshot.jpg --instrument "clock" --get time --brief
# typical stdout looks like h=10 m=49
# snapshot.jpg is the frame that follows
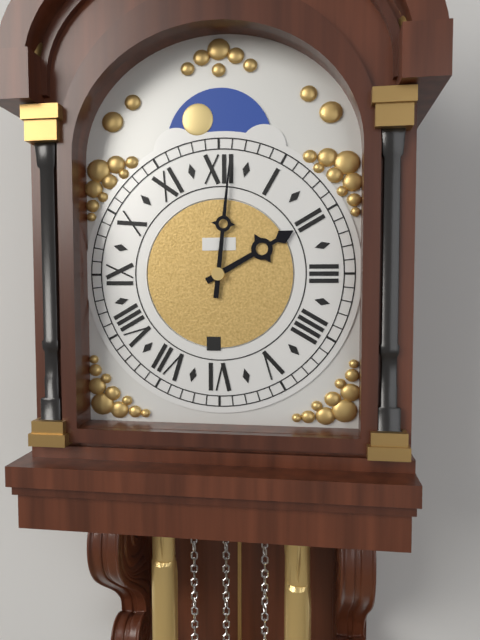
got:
h=2 m=1
